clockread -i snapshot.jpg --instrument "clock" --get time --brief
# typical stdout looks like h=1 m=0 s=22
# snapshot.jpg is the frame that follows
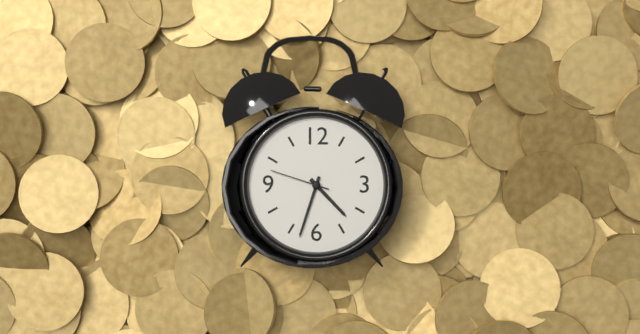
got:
h=4 m=33 s=48
